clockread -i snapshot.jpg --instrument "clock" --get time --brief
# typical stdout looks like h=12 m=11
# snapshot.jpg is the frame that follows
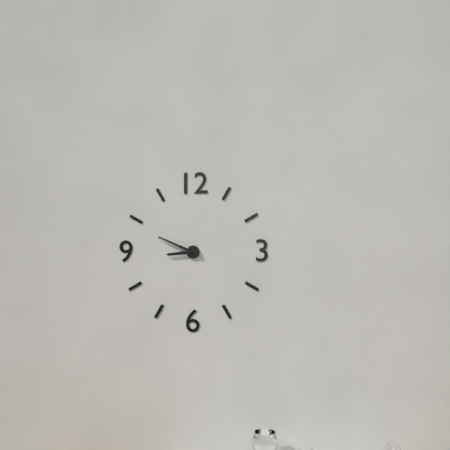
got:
h=8 m=49
